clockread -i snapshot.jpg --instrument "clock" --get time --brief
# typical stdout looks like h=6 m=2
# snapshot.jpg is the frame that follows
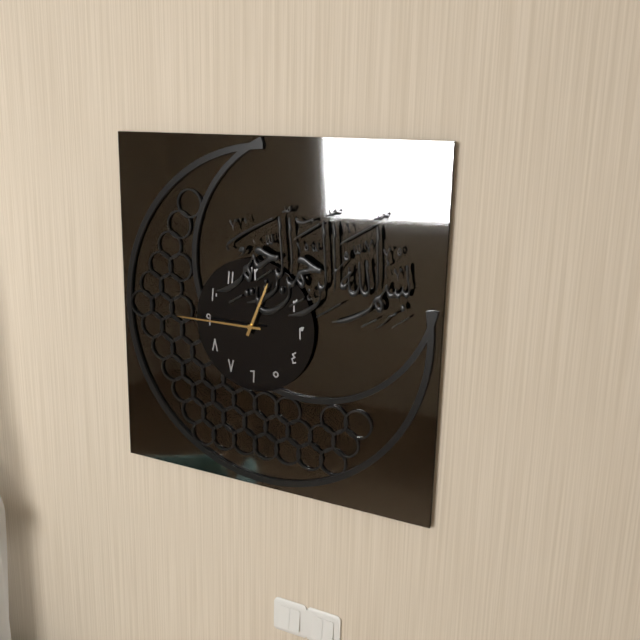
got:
h=12 m=45
